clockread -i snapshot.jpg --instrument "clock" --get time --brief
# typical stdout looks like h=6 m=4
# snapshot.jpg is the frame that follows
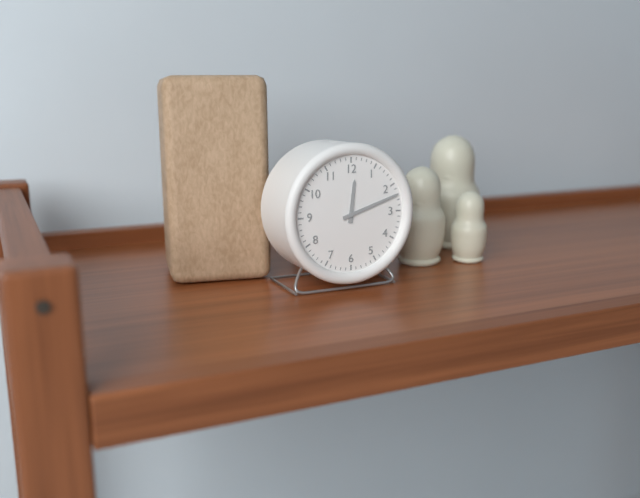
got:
h=12 m=12
